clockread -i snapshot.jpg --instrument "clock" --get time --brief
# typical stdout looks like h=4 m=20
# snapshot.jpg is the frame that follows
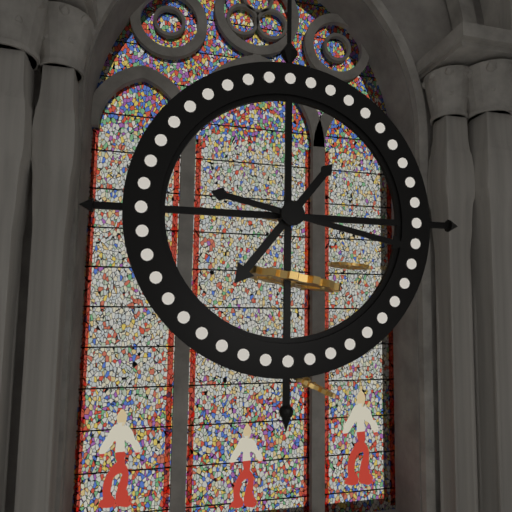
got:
h=7 m=17
